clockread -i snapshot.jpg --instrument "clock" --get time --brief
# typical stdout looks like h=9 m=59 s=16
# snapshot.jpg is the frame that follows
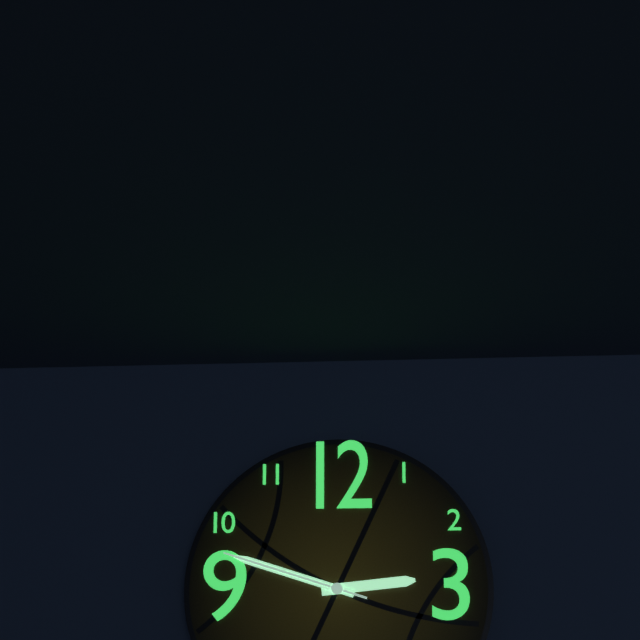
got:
h=2 m=48 s=48
